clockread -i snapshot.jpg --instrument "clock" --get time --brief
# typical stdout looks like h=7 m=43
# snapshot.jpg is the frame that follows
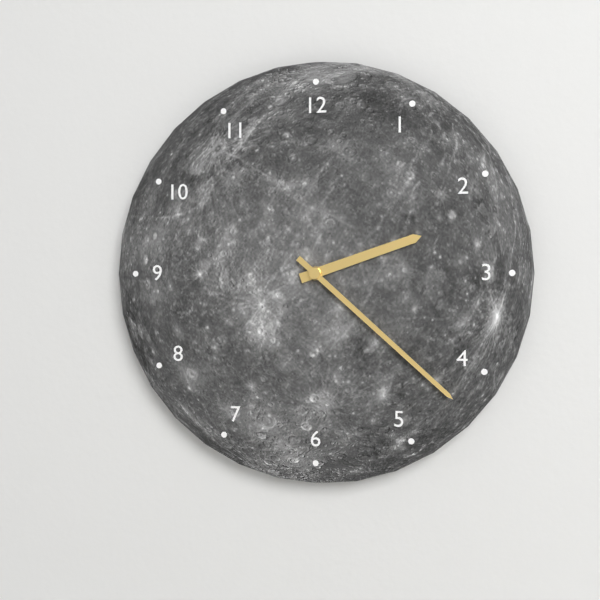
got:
h=2 m=22
